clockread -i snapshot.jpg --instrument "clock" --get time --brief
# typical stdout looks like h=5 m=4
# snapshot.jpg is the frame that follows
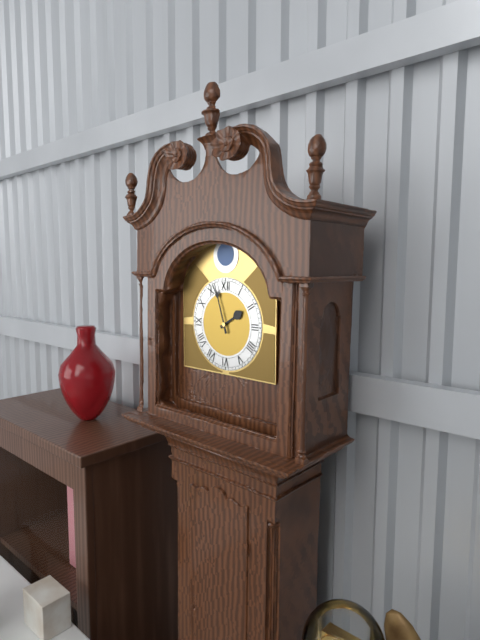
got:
h=1 m=57
